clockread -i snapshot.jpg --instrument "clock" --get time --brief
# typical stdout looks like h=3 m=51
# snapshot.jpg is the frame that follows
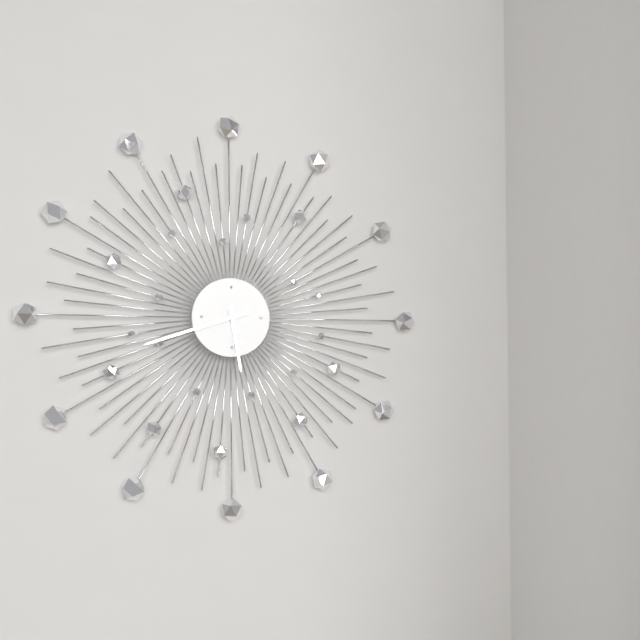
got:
h=5 m=42
